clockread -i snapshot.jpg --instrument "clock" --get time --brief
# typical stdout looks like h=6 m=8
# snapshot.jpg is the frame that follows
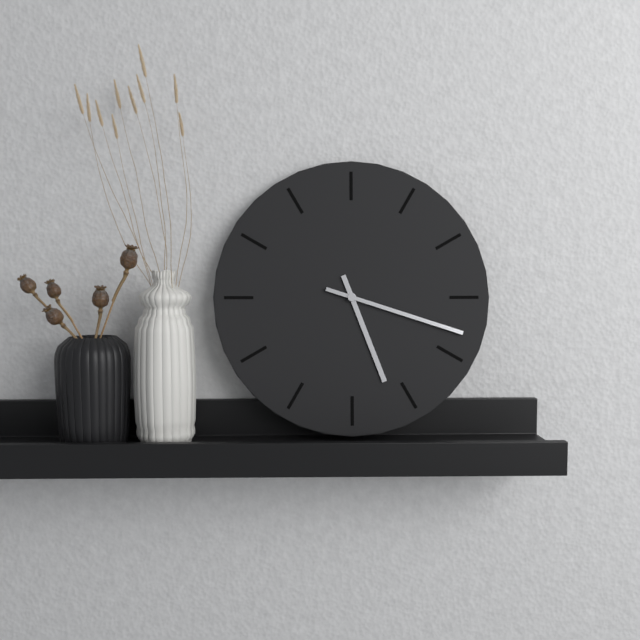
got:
h=5 m=18
